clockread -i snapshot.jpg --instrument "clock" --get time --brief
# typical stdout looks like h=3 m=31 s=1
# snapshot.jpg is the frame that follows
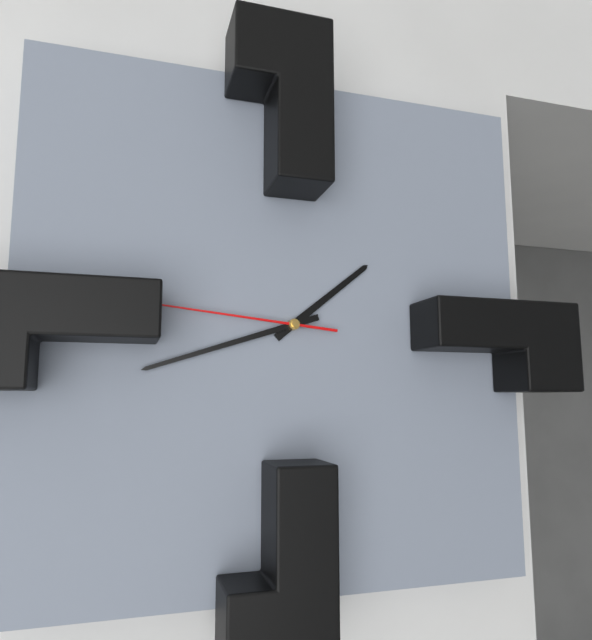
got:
h=1 m=42 s=46
